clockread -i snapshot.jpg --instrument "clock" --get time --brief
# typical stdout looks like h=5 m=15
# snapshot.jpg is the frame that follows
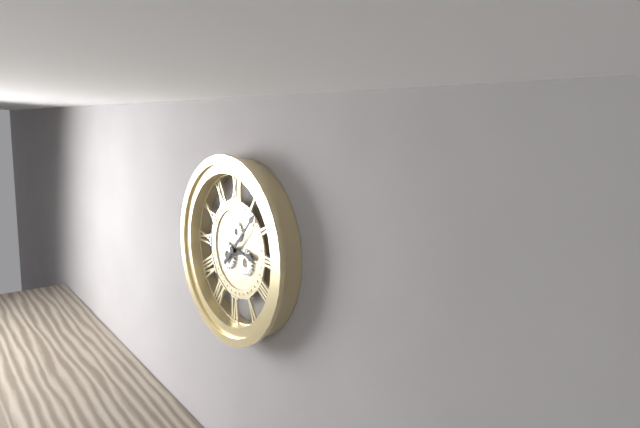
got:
h=3 m=7
